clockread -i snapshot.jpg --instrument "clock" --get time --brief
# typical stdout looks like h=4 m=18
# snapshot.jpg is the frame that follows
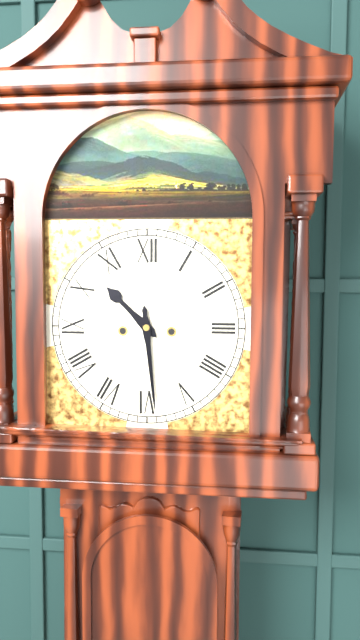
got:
h=10 m=29
